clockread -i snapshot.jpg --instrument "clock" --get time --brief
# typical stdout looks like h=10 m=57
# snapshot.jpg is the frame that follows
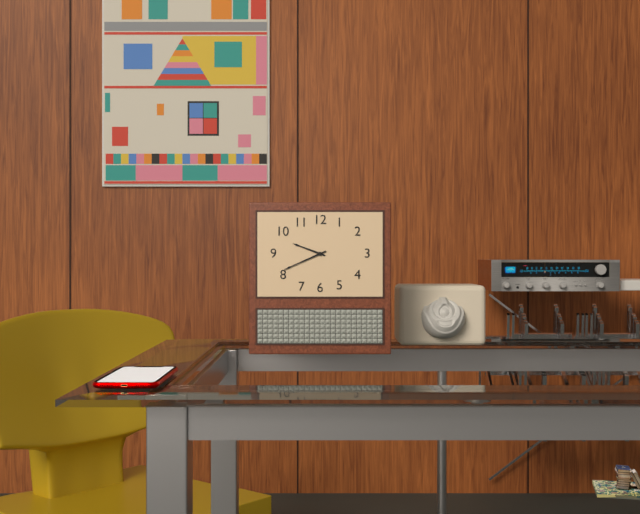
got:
h=9 m=41
